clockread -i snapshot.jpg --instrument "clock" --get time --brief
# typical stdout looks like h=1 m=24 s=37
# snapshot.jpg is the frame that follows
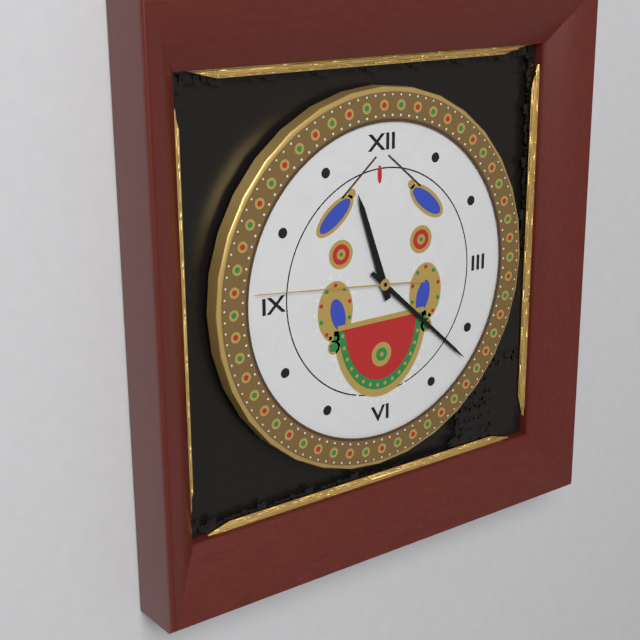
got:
h=11 m=22 s=46
